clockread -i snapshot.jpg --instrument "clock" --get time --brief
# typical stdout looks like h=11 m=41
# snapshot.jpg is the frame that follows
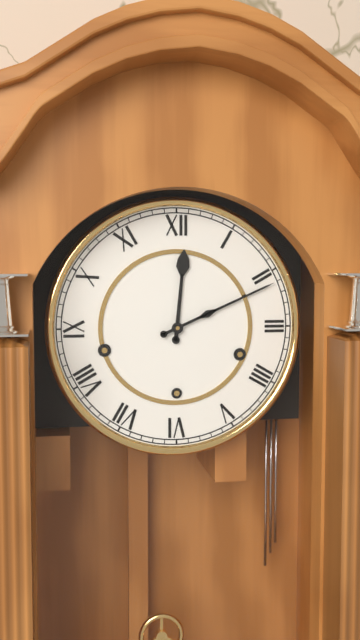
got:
h=12 m=11
